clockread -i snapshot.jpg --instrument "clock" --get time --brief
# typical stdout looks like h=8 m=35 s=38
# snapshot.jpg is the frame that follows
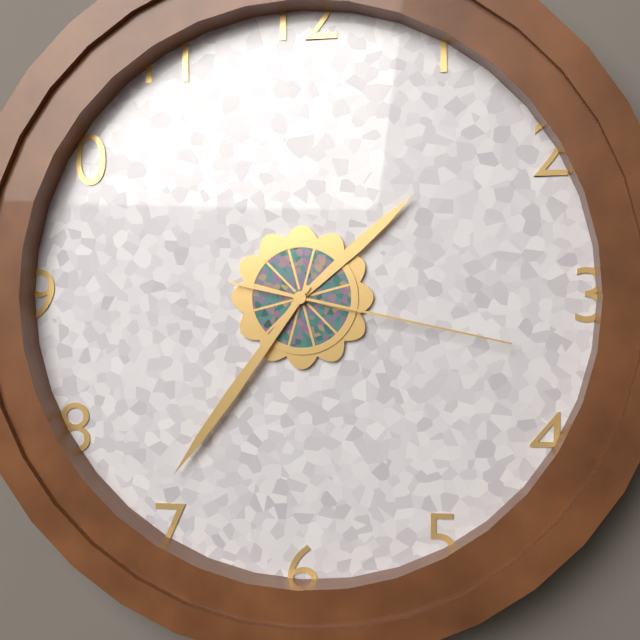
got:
h=1 m=36 s=17
